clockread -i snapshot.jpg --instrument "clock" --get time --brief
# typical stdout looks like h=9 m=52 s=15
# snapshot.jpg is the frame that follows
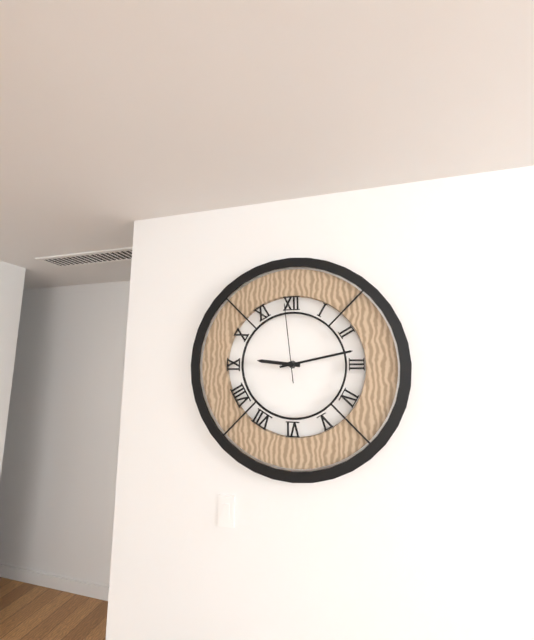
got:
h=9 m=13 s=59
